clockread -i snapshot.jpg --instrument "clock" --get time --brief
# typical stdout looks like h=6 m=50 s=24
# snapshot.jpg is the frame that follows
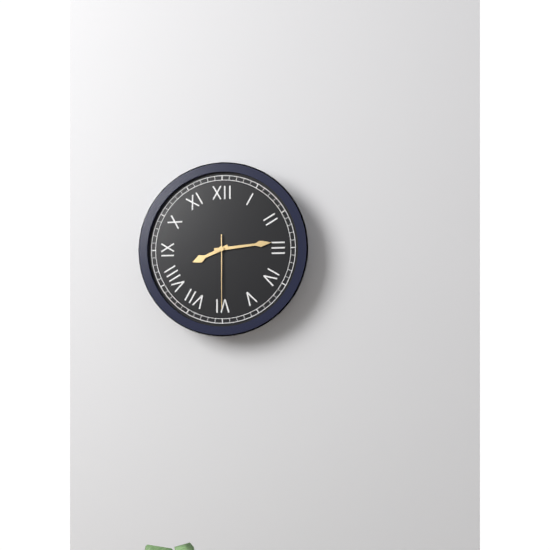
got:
h=8 m=14 s=30
